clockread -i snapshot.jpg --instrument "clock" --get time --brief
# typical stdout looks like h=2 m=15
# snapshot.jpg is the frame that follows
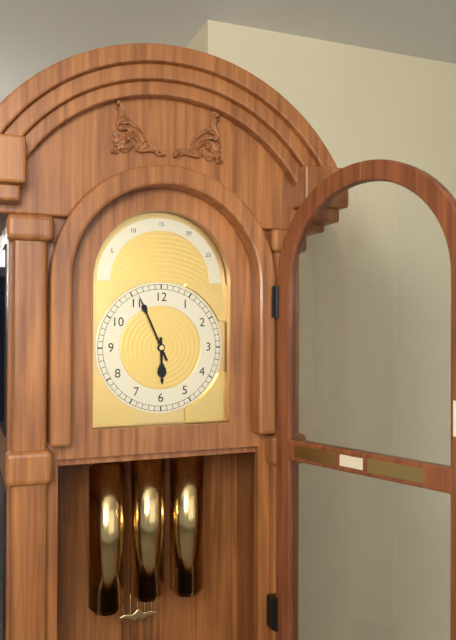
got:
h=5 m=56
